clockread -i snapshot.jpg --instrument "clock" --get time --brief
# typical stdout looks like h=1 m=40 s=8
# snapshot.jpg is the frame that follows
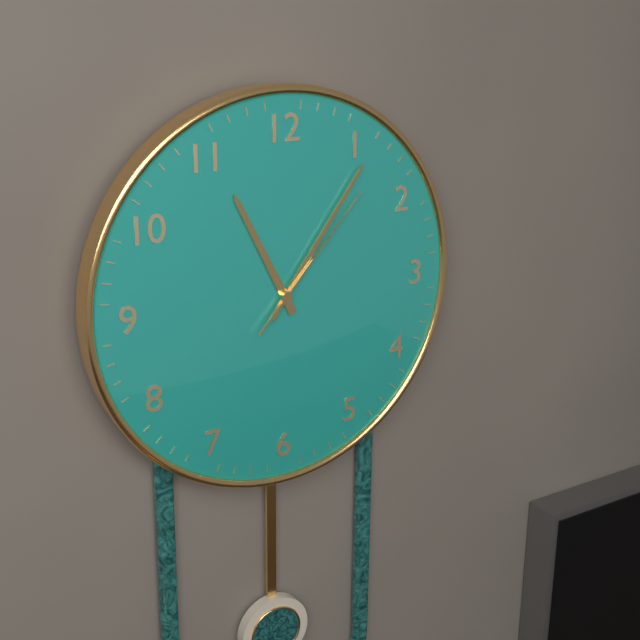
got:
h=11 m=6 s=7
